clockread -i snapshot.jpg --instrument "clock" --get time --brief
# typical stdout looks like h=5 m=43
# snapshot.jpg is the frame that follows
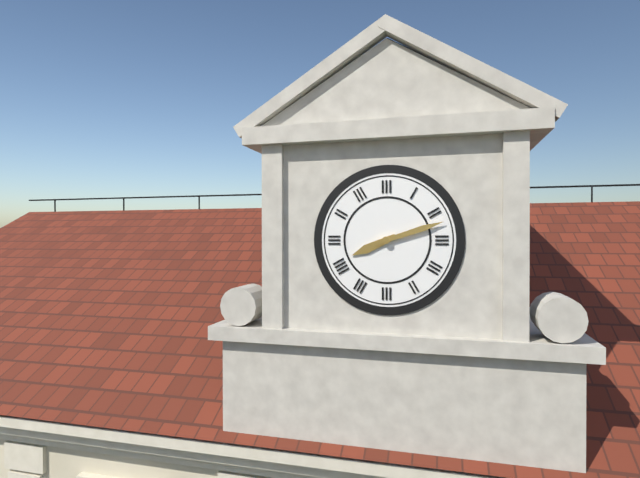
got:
h=8 m=12
